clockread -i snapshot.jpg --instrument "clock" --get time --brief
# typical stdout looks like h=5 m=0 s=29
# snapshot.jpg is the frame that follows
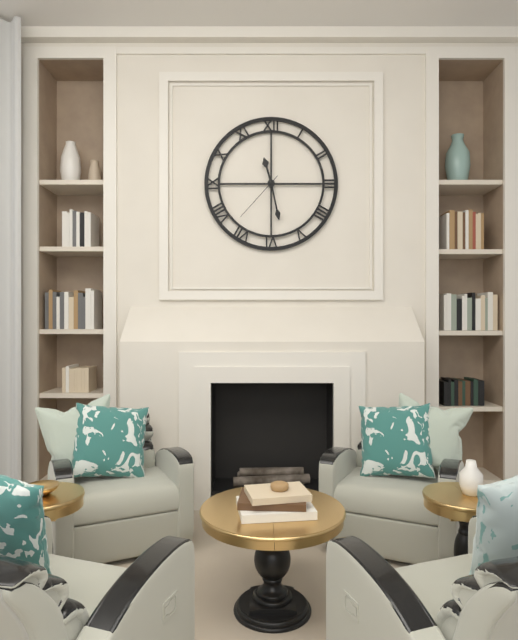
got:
h=11 m=28 s=37
